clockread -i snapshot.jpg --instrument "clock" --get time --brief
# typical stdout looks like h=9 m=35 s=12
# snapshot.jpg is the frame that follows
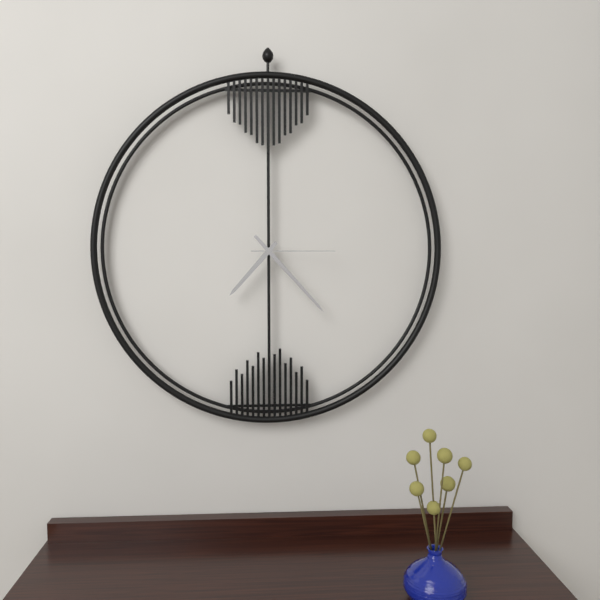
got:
h=7 m=23 s=15
